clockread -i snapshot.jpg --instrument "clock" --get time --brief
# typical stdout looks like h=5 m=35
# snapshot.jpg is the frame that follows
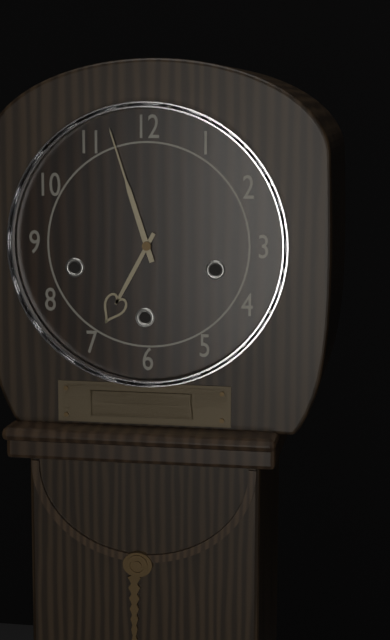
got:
h=6 m=57
